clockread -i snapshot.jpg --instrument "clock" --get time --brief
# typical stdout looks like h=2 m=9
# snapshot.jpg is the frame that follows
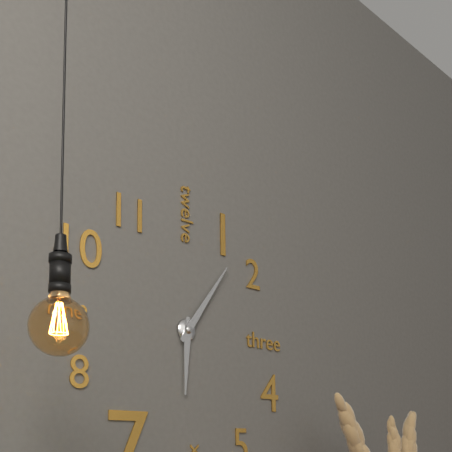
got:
h=6 m=6
